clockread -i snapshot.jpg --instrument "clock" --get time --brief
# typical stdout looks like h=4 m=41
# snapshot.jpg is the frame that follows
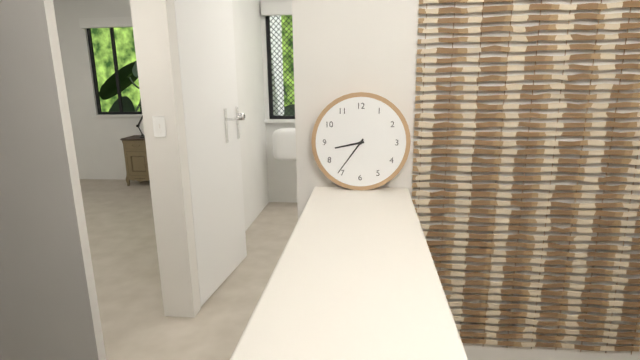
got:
h=8 m=36
